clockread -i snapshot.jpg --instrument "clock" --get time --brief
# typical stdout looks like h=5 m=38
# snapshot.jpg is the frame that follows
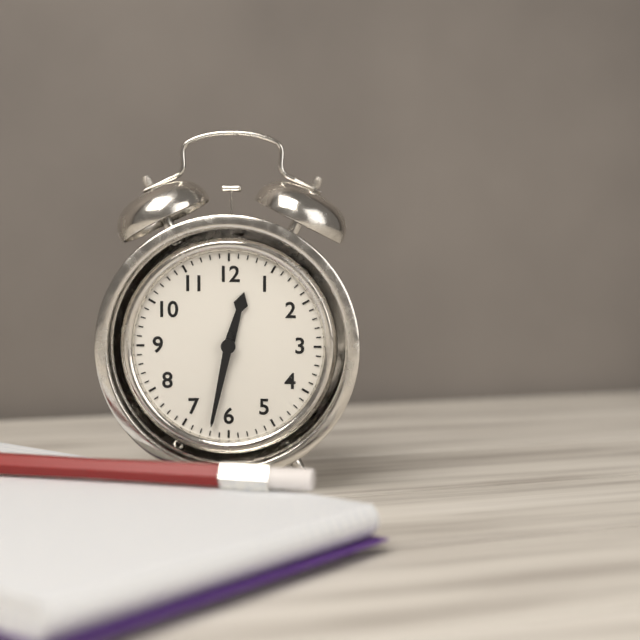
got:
h=12 m=32
